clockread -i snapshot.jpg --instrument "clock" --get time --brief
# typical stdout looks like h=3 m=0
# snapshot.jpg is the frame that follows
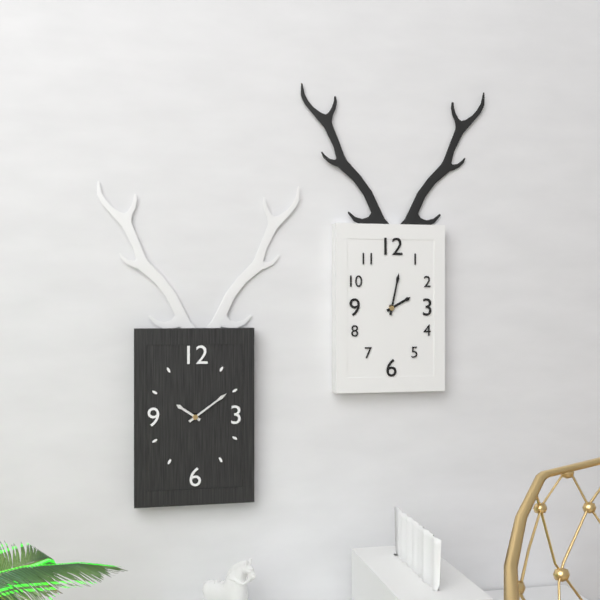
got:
h=10 m=9
